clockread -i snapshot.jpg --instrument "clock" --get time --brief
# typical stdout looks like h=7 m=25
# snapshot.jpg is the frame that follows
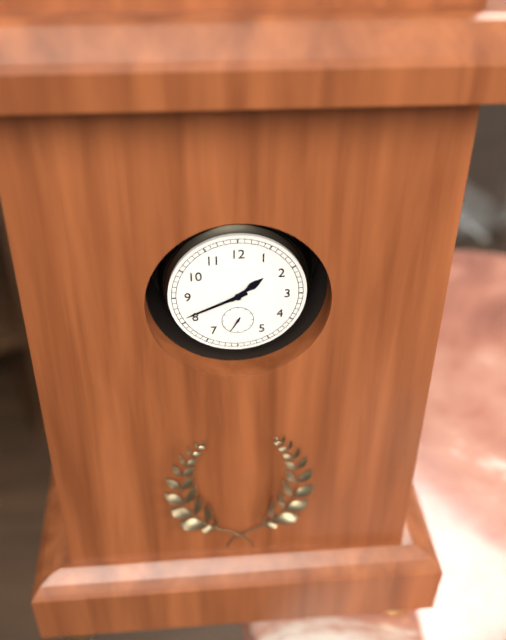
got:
h=1 m=41
